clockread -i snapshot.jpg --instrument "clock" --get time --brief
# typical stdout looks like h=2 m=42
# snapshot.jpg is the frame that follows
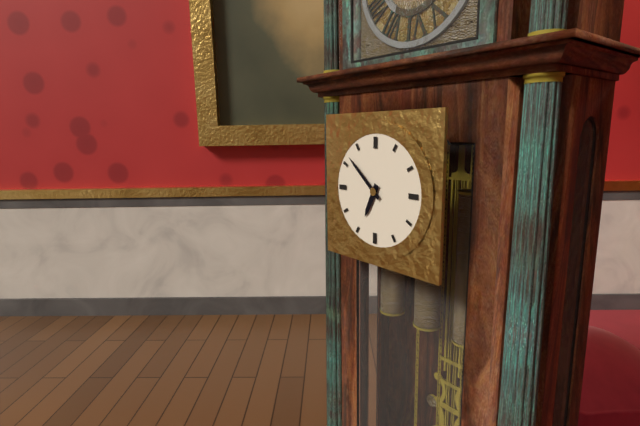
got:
h=6 m=52
